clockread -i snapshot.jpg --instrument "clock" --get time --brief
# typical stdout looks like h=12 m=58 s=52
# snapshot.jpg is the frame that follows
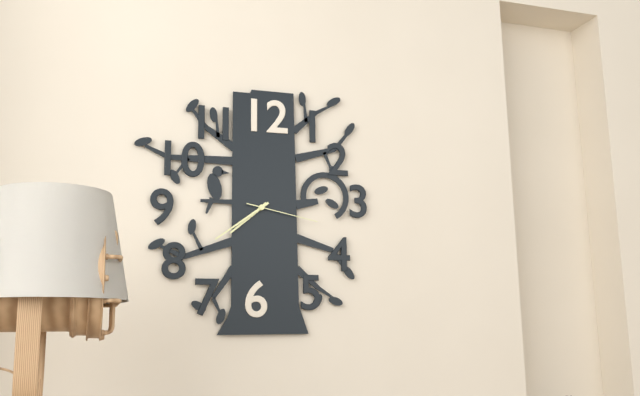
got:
h=7 m=39 s=17
